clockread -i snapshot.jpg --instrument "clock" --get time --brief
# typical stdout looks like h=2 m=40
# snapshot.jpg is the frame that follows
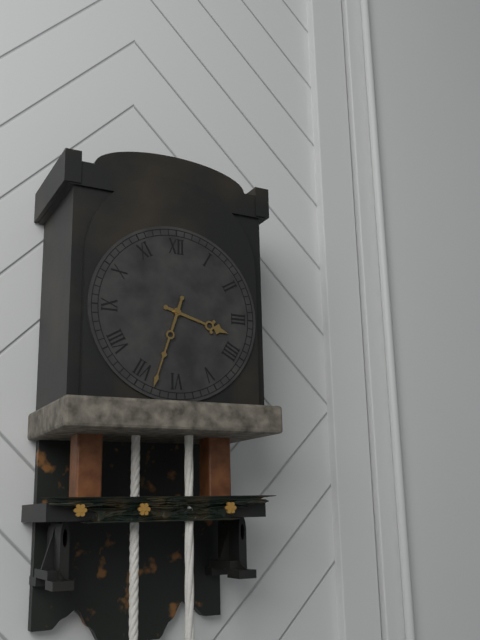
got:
h=3 m=33
